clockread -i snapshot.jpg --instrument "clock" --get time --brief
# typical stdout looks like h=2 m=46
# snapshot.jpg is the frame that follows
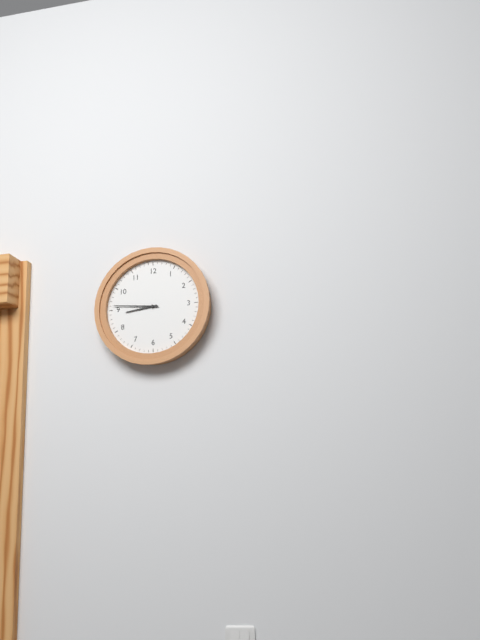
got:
h=8 m=46
